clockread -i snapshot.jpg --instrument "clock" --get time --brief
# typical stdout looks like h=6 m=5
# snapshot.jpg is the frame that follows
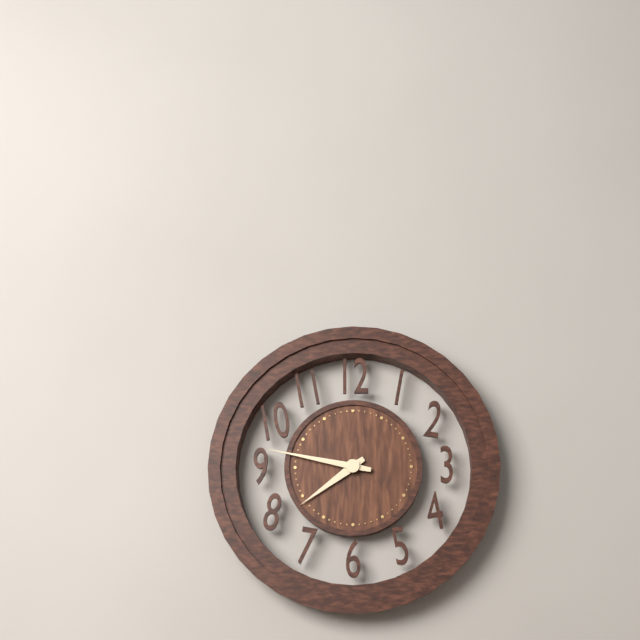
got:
h=7 m=47
